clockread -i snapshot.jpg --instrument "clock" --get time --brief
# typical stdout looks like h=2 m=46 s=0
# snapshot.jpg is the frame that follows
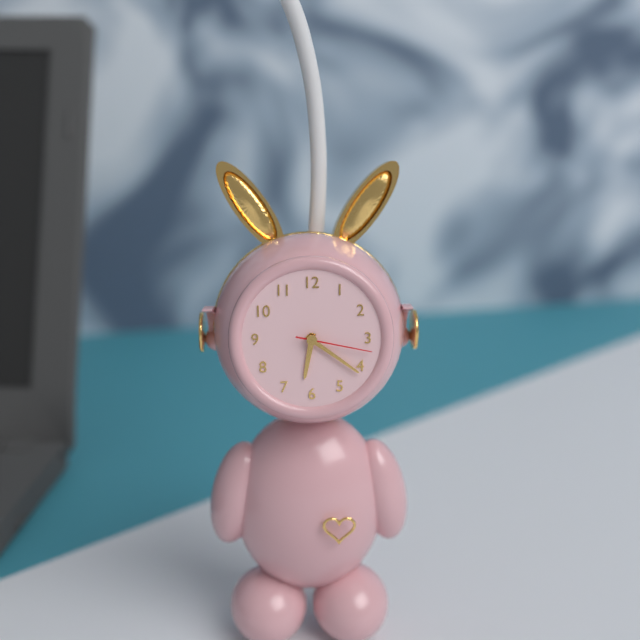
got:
h=6 m=21 s=17
